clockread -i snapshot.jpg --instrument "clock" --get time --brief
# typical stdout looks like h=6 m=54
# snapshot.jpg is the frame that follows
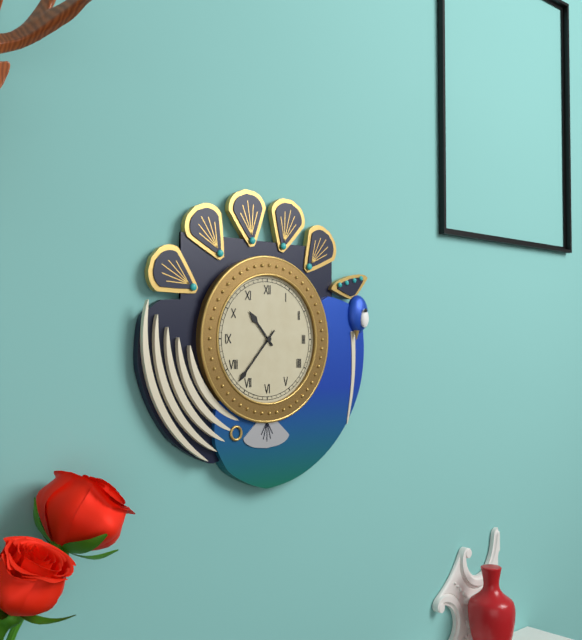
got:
h=10 m=37
